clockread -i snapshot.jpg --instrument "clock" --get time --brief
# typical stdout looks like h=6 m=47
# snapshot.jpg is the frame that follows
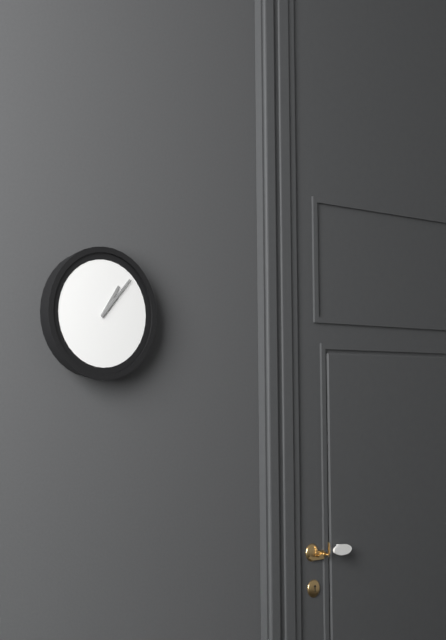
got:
h=1 m=7
